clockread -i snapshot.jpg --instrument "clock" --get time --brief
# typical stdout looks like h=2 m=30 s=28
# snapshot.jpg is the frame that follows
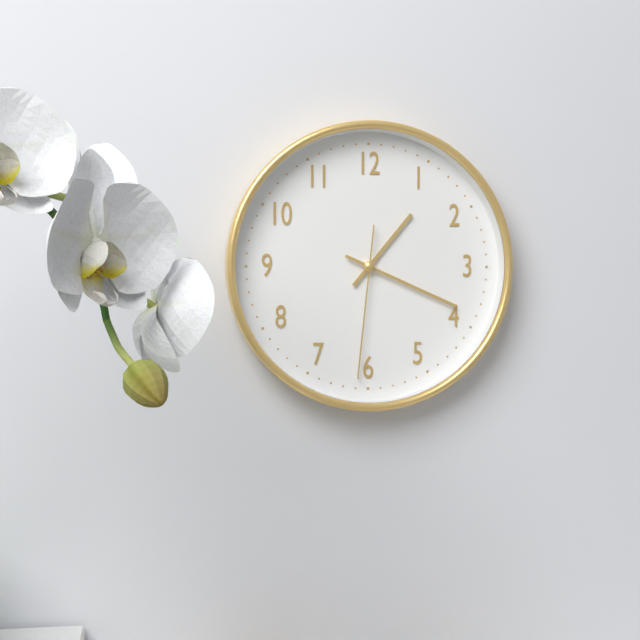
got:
h=1 m=19 s=31
